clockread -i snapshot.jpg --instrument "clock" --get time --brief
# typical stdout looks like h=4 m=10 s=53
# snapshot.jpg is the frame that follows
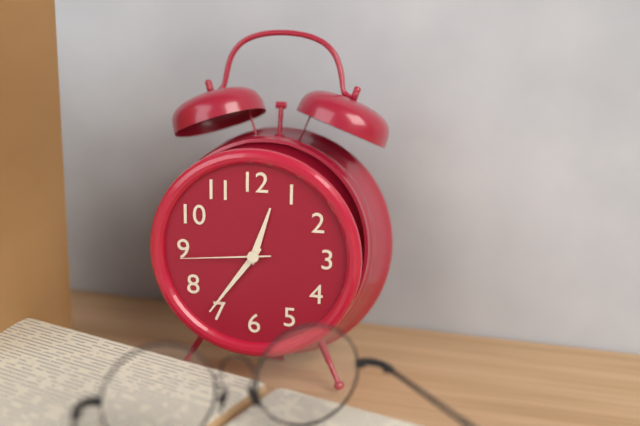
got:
h=12 m=36 s=44
